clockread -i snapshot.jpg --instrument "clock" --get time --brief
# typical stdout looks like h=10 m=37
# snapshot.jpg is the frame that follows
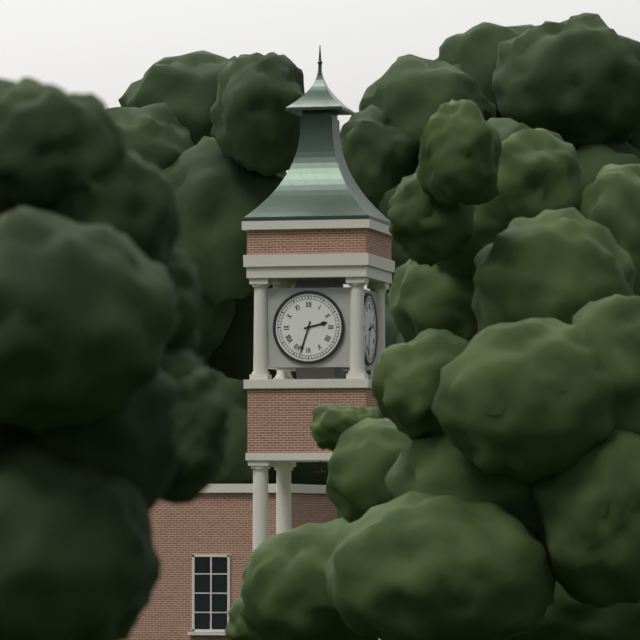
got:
h=2 m=33
